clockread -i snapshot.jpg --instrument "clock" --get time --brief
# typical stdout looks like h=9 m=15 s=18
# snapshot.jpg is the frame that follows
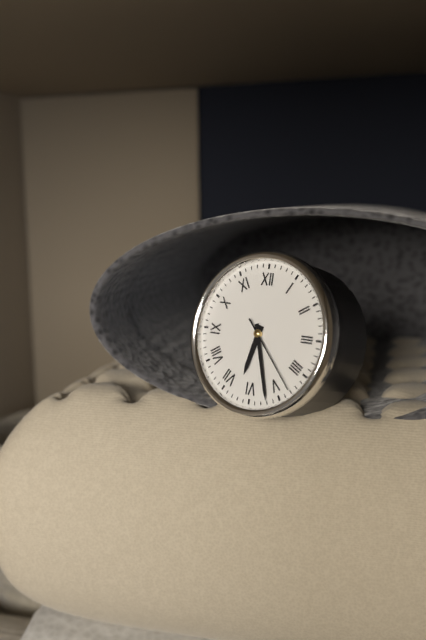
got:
h=6 m=27 s=23
